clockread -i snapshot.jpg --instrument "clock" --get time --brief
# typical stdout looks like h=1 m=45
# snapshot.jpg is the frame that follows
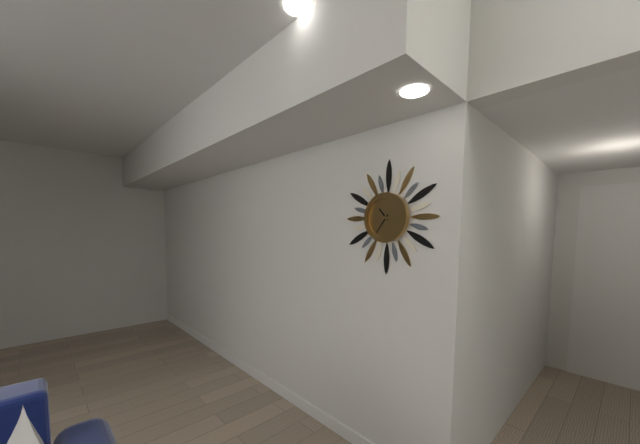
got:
h=10 m=36
